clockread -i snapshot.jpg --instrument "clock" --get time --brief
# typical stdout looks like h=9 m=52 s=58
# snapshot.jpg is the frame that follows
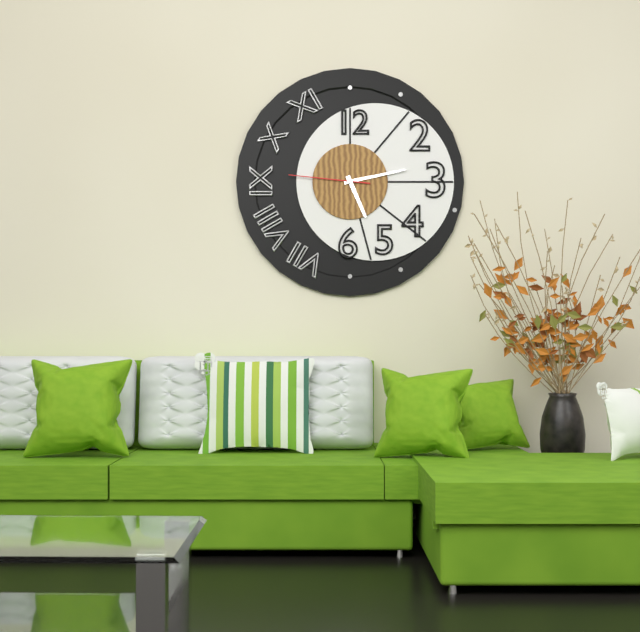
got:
h=5 m=13 s=46
